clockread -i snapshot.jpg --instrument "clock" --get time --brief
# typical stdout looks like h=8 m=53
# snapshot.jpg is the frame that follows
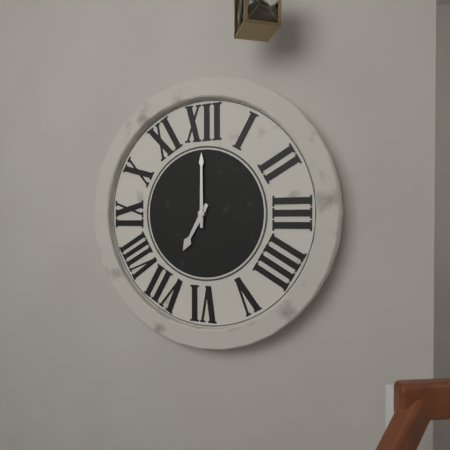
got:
h=7 m=0
